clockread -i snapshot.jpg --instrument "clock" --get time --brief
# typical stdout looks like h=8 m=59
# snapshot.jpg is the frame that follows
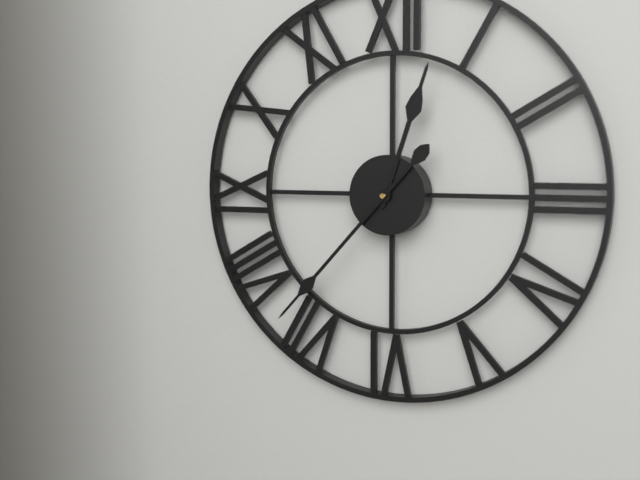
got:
h=12 m=37
